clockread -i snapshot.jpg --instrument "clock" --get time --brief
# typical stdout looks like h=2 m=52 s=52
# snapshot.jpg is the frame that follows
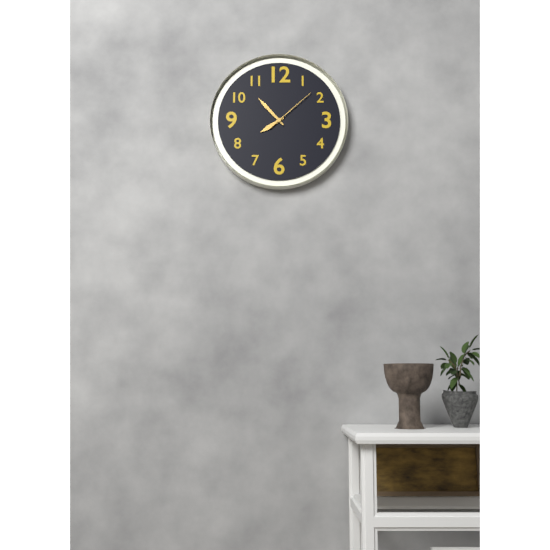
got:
h=7 m=53 s=8
